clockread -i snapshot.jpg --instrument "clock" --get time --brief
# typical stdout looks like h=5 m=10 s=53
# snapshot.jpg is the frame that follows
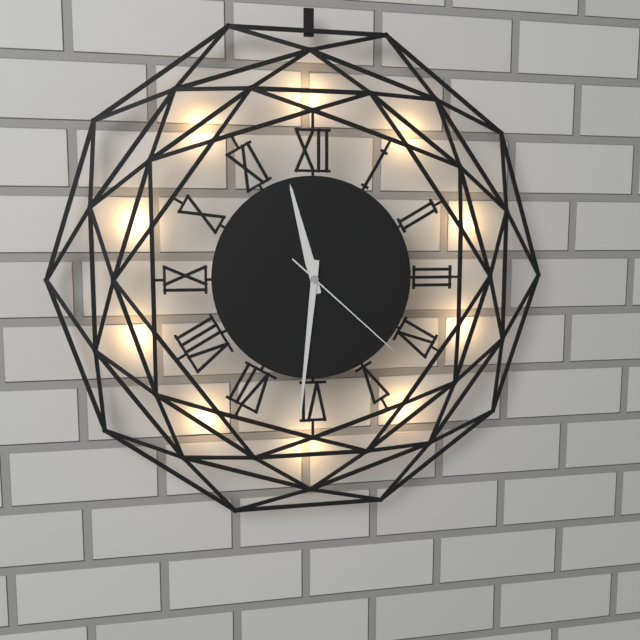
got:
h=11 m=31 s=22
